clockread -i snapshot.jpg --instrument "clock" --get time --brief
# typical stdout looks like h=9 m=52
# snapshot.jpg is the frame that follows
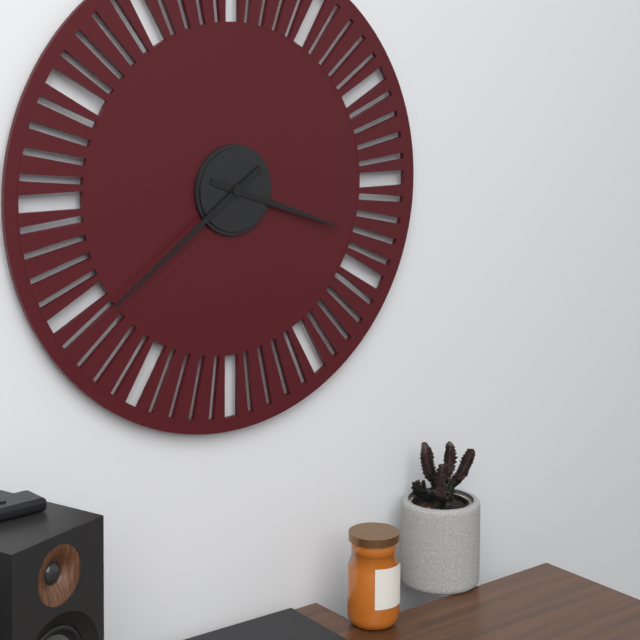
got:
h=3 m=39
